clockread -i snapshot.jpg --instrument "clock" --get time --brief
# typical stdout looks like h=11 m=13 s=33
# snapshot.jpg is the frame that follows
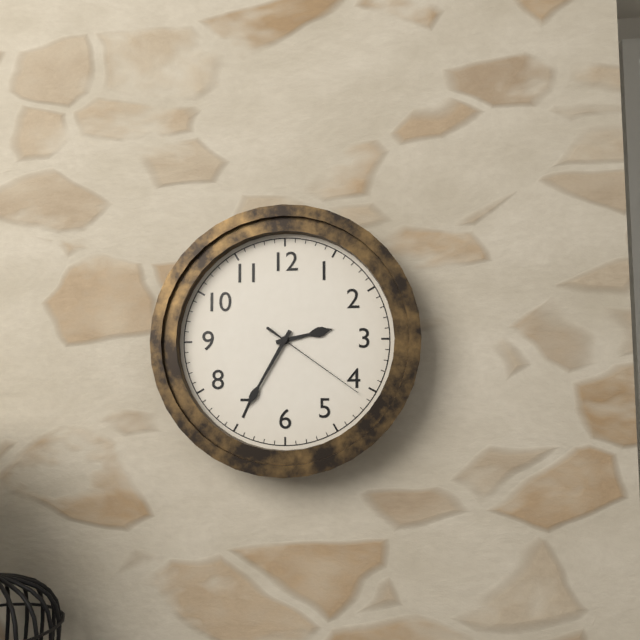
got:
h=2 m=35 s=21
